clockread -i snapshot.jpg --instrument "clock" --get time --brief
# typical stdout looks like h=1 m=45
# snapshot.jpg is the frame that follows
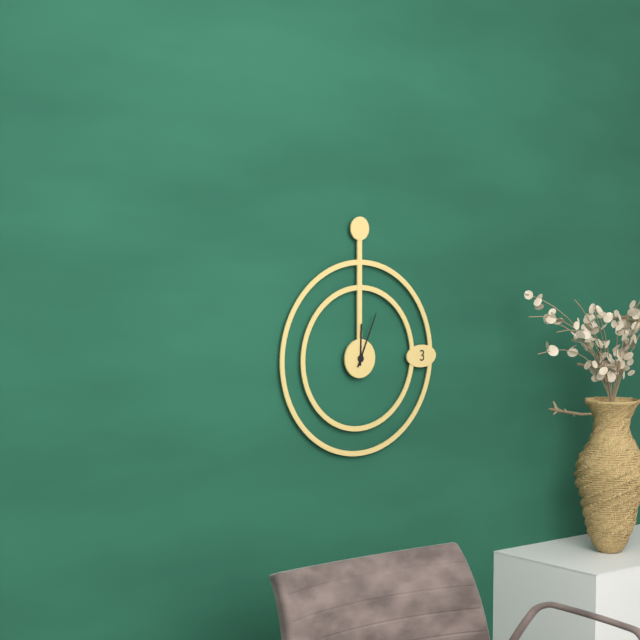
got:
h=12 m=4
